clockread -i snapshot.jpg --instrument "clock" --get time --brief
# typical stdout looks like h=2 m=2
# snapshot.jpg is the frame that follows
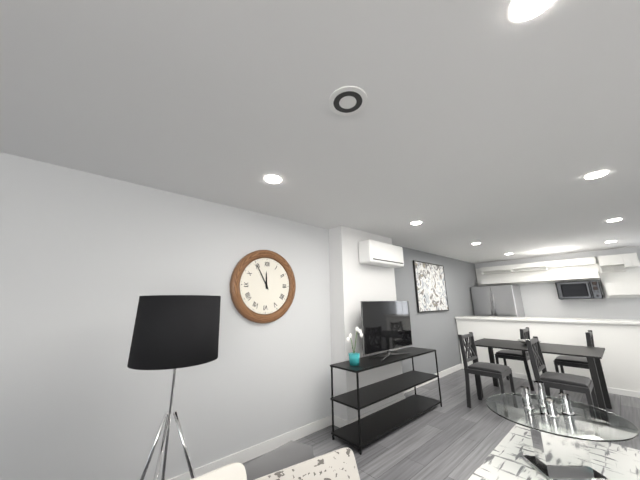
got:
h=11 m=55
